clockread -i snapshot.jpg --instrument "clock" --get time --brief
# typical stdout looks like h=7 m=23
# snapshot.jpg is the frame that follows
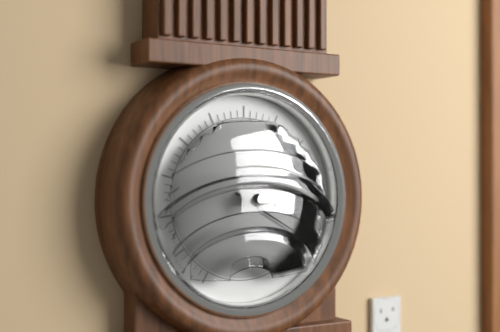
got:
h=3 m=20
